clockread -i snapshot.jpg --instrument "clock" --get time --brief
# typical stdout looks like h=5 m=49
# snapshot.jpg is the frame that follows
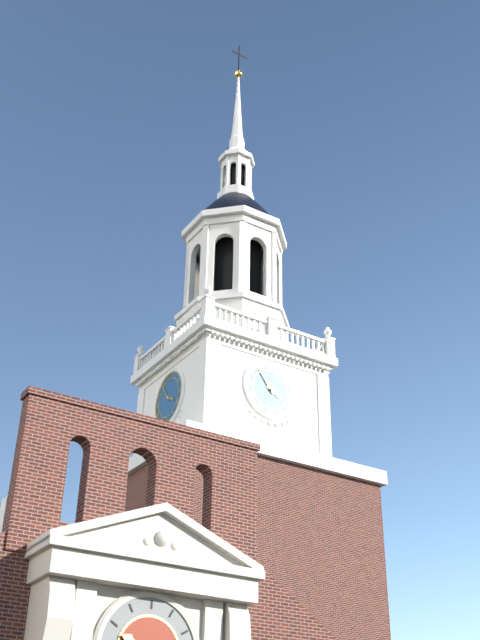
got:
h=3 m=54
